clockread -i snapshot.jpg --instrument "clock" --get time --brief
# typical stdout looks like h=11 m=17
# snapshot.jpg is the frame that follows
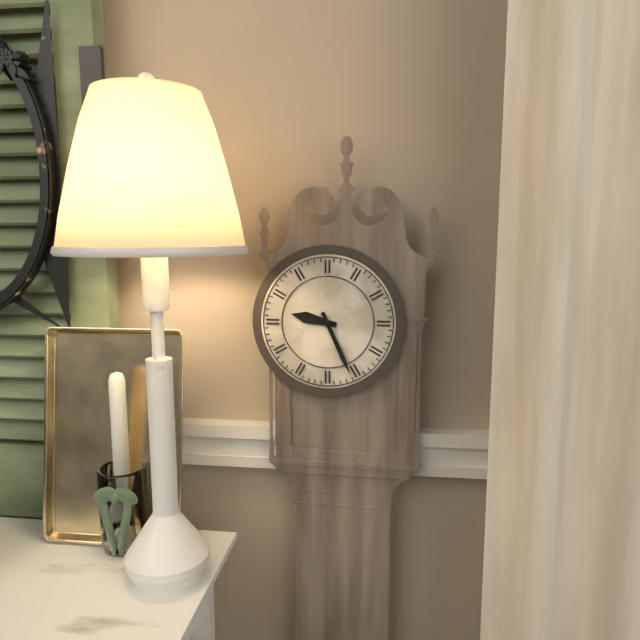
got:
h=9 m=26
